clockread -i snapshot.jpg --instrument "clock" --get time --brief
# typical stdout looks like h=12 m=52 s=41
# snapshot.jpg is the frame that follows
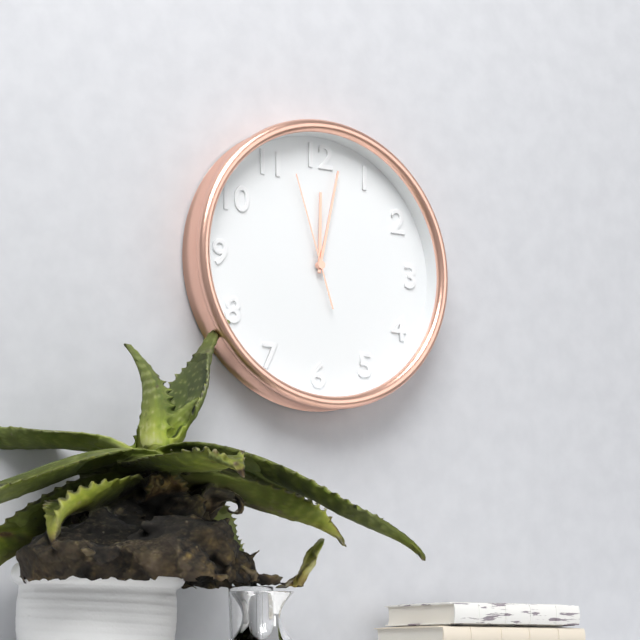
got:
h=12 m=2 s=57
